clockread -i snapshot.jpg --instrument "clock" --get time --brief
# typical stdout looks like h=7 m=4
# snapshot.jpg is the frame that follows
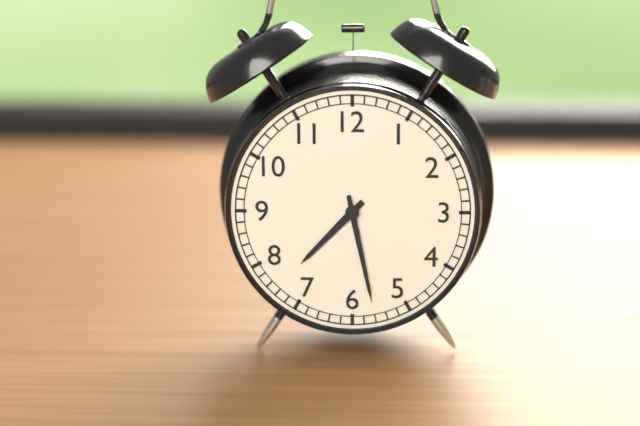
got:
h=7 m=28
